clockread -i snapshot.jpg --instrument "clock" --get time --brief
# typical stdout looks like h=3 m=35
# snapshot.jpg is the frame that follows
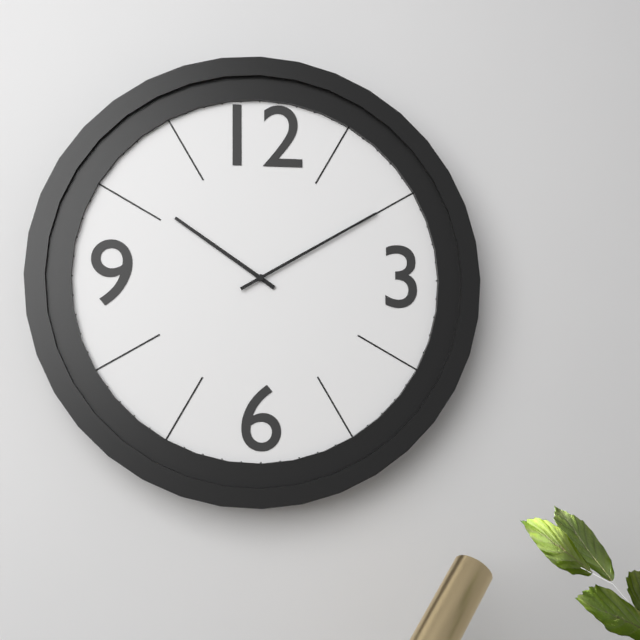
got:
h=10 m=10
